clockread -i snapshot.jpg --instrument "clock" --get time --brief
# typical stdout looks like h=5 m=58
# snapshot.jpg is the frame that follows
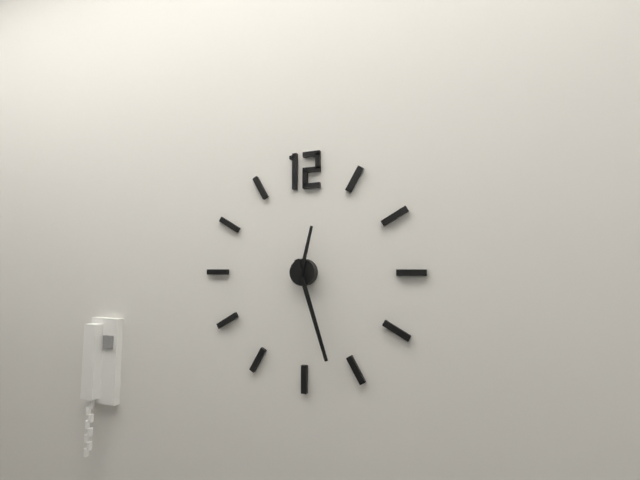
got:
h=12 m=27
